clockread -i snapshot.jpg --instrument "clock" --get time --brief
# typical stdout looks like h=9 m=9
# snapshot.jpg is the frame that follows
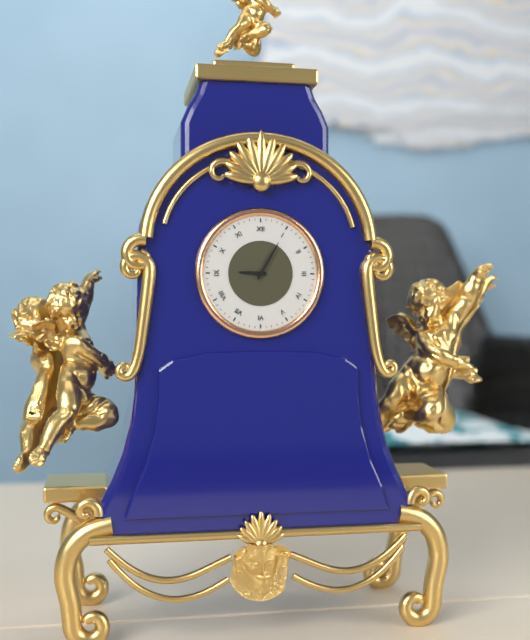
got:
h=9 m=5
